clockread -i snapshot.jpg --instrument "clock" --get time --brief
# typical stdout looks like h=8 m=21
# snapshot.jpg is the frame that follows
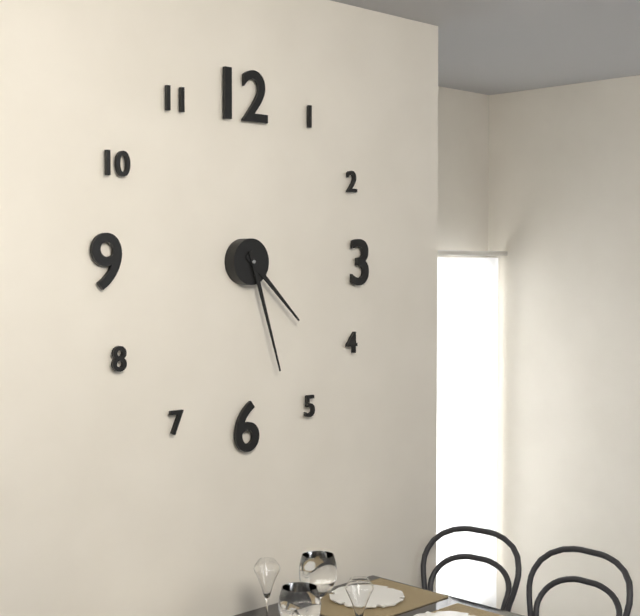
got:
h=4 m=27
